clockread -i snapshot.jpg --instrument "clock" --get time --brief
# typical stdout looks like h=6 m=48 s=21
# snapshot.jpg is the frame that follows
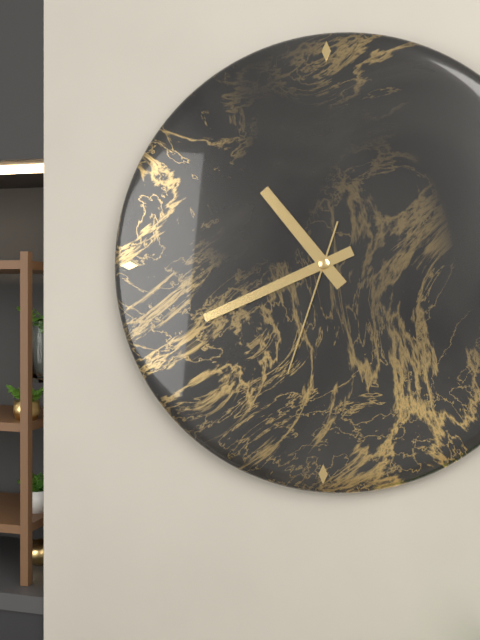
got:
h=10 m=41 s=33
